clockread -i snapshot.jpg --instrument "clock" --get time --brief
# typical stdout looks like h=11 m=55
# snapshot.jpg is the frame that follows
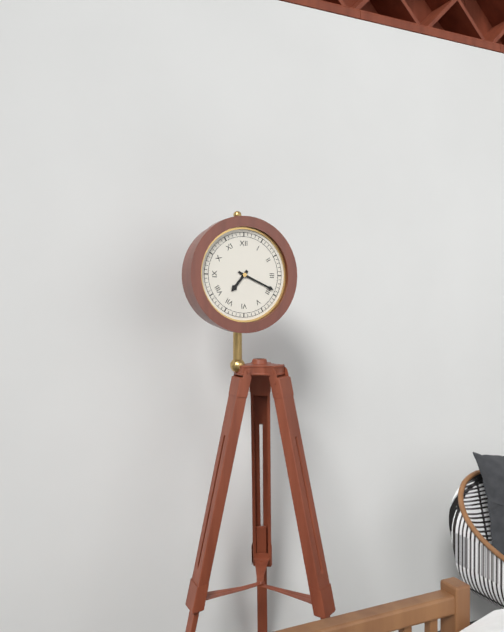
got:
h=7 m=19
